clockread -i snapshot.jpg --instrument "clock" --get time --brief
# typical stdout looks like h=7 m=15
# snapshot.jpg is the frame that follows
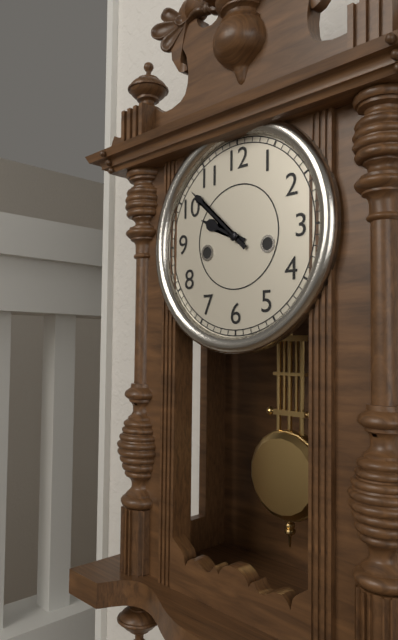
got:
h=9 m=52
